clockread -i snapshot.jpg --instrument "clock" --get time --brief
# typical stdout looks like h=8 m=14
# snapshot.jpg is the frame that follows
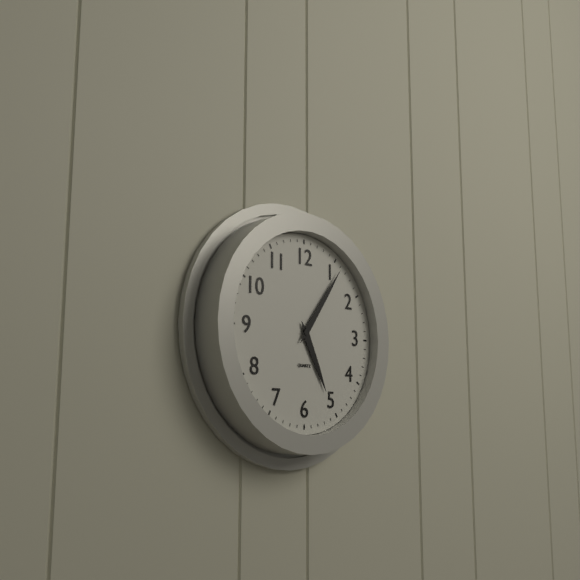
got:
h=5 m=6
